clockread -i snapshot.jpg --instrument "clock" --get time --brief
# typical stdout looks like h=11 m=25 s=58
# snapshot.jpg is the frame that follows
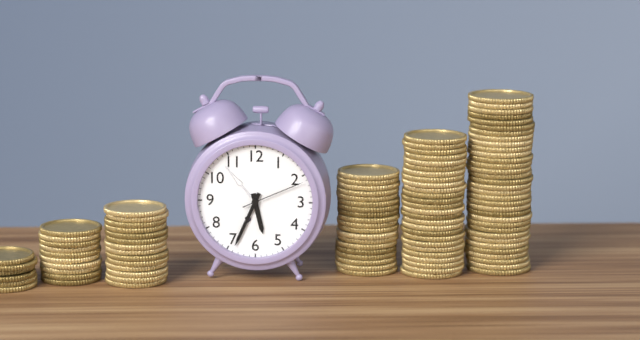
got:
h=5 m=34 s=11
